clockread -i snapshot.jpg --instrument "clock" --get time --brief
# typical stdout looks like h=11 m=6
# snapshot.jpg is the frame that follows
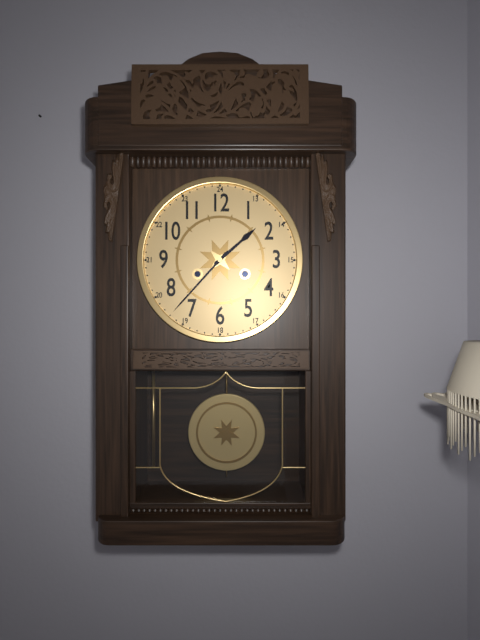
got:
h=1 m=37
